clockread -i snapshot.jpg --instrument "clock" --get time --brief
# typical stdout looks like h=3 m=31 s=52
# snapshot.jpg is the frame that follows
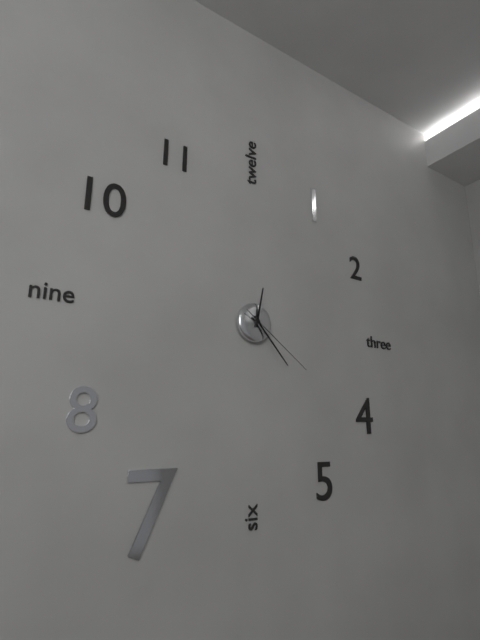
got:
h=12 m=23 s=21
